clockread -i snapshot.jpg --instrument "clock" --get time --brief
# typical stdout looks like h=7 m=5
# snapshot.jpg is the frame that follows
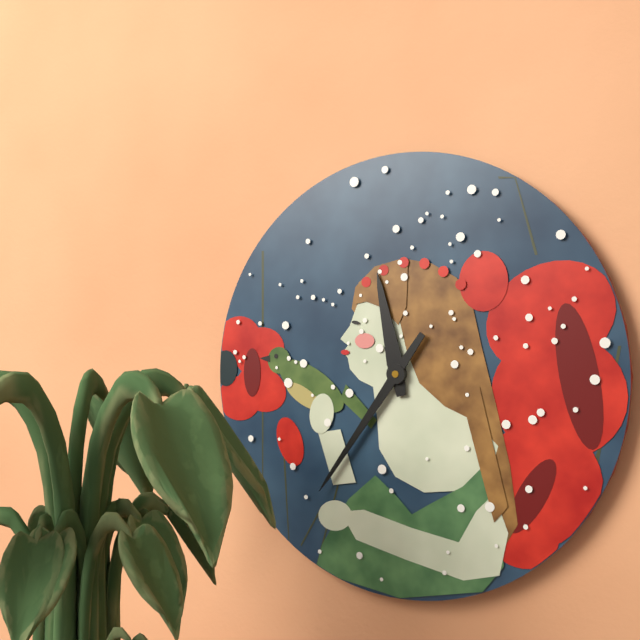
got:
h=11 m=36
